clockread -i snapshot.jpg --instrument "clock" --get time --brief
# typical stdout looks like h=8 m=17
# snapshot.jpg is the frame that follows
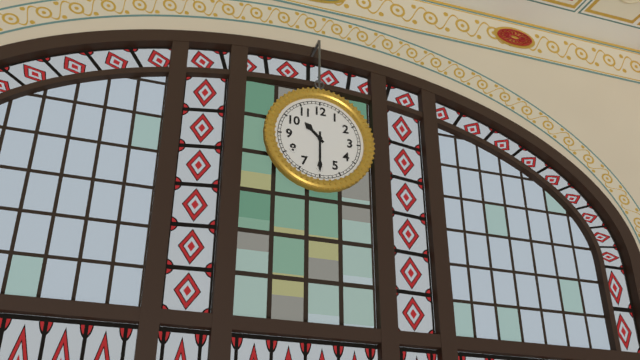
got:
h=10 m=30
